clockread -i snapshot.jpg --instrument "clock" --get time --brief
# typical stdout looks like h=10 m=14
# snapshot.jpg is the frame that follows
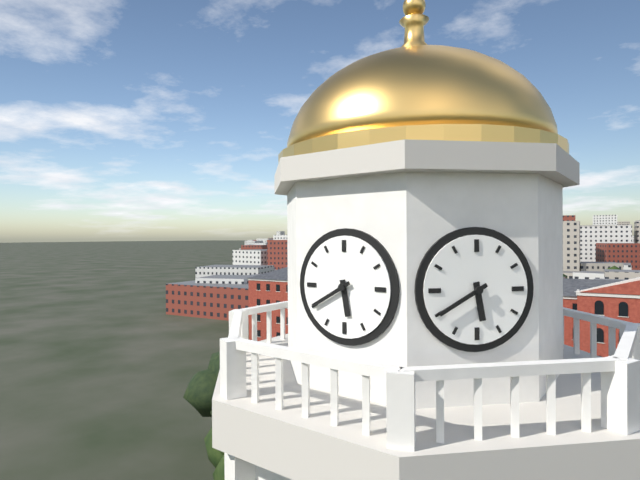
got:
h=5 m=40
